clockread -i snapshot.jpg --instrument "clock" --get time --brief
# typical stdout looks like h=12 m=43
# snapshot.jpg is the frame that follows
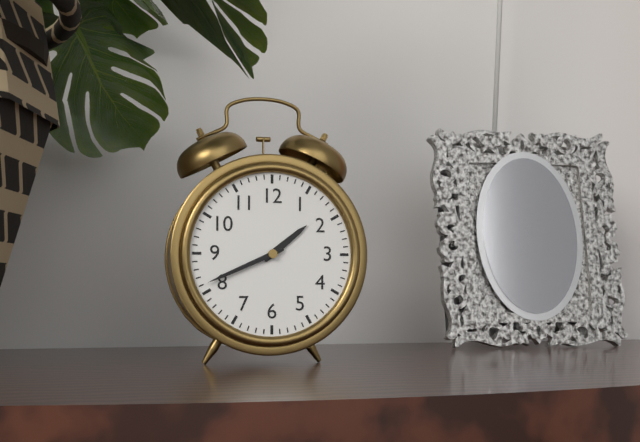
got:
h=1 m=41
